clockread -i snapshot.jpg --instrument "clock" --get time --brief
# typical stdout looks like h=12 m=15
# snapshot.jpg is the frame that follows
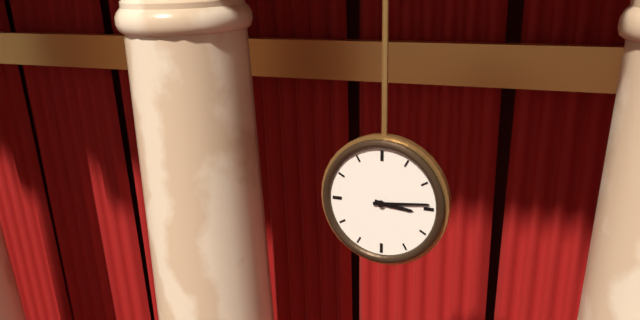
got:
h=3 m=14
